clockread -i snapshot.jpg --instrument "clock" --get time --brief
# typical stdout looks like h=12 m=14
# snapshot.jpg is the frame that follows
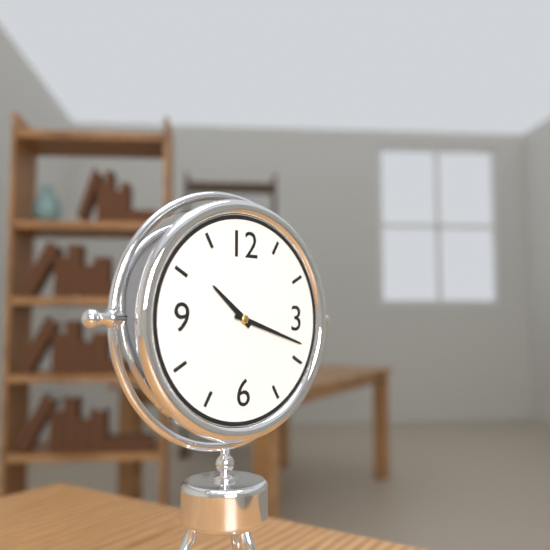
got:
h=10 m=18
